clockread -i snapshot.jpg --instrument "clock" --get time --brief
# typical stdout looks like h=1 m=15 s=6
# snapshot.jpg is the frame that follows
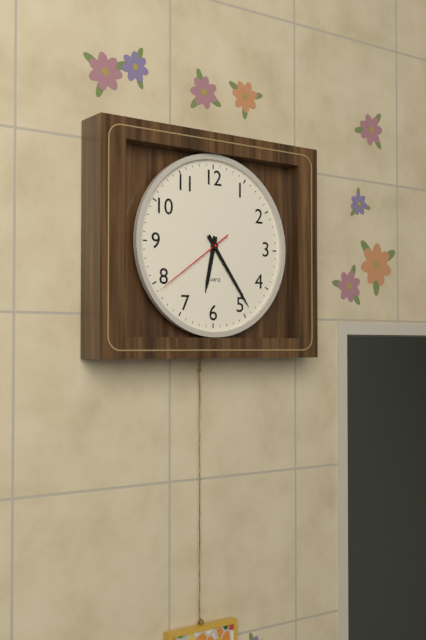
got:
h=6 m=24 s=39
